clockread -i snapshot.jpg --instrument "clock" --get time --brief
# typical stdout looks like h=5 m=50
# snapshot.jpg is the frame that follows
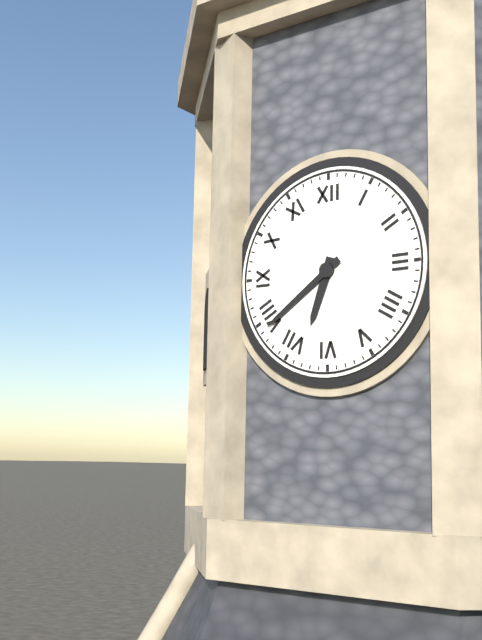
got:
h=6 m=39
